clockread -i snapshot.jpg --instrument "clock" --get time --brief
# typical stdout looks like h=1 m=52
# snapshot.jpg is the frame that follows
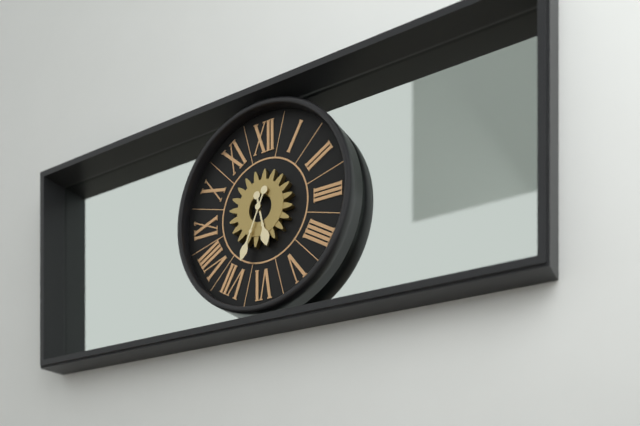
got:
h=5 m=34
